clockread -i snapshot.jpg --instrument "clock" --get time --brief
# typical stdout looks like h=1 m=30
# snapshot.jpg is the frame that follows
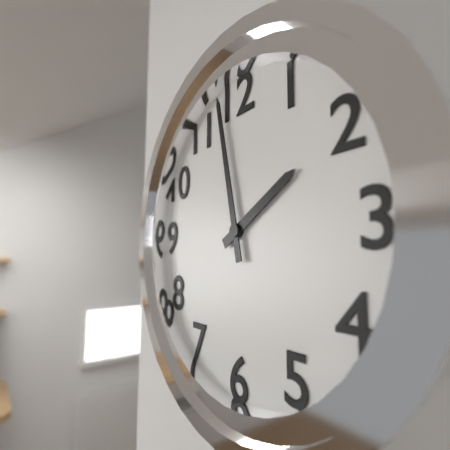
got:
h=1 m=58
